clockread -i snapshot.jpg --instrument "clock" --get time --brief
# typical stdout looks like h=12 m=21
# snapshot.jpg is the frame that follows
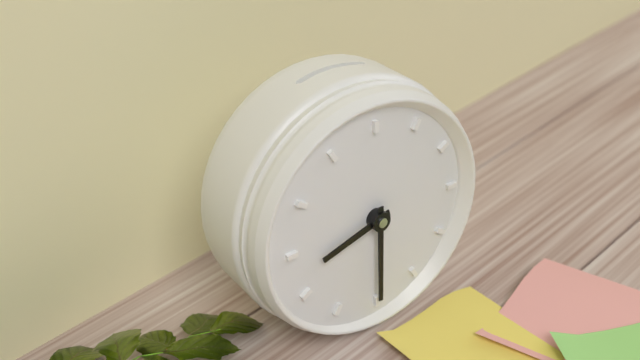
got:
h=8 m=30
